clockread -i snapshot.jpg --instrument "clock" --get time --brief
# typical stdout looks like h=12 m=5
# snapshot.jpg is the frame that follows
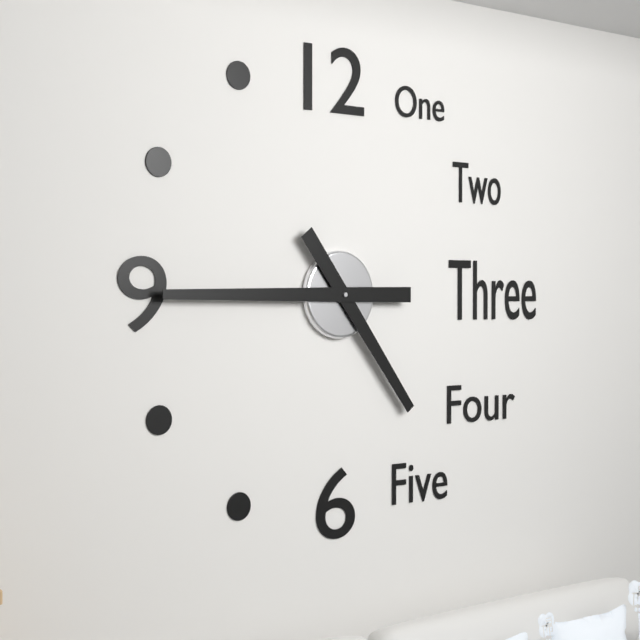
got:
h=4 m=45
